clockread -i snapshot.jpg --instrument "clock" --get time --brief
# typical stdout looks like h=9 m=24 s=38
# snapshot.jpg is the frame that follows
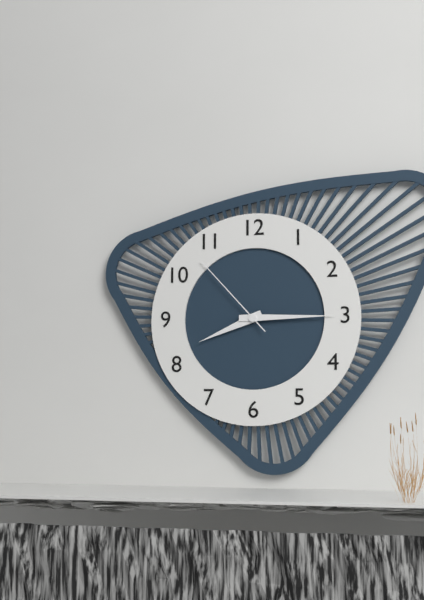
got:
h=8 m=15 s=53
